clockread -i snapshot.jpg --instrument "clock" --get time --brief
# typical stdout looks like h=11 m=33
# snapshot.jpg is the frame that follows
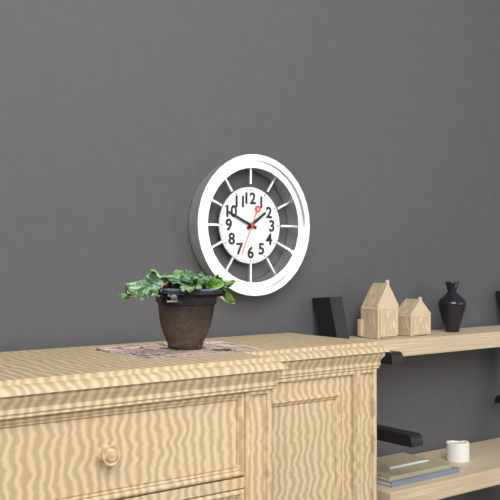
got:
h=1 m=49
